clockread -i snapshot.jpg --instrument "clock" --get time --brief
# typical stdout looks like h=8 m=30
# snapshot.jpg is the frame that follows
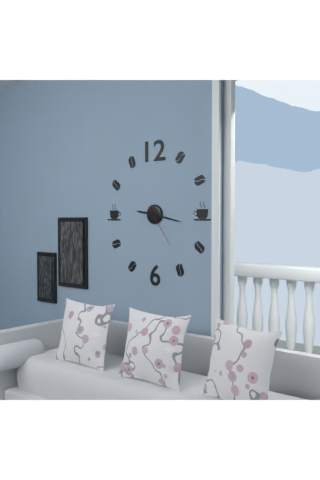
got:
h=9 m=17
